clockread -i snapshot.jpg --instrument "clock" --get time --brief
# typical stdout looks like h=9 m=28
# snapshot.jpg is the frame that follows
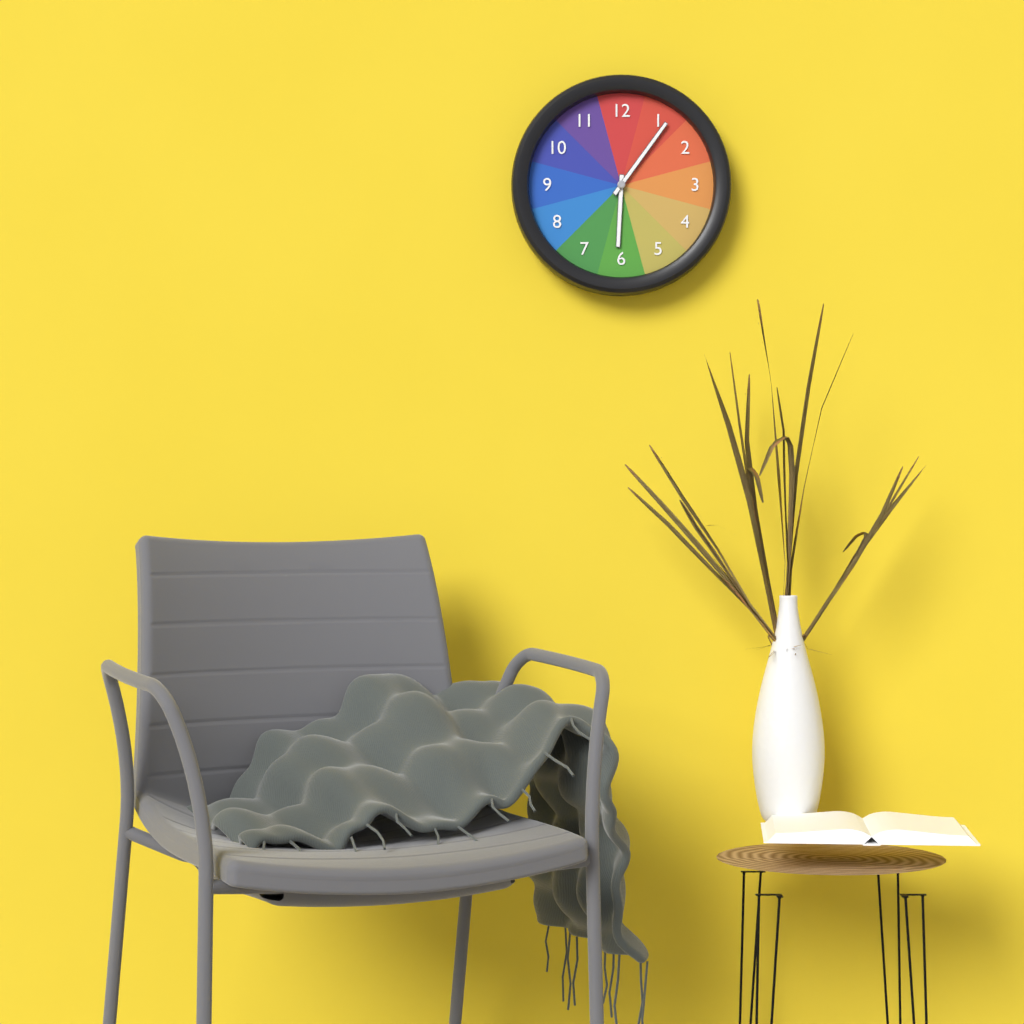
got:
h=6 m=6
